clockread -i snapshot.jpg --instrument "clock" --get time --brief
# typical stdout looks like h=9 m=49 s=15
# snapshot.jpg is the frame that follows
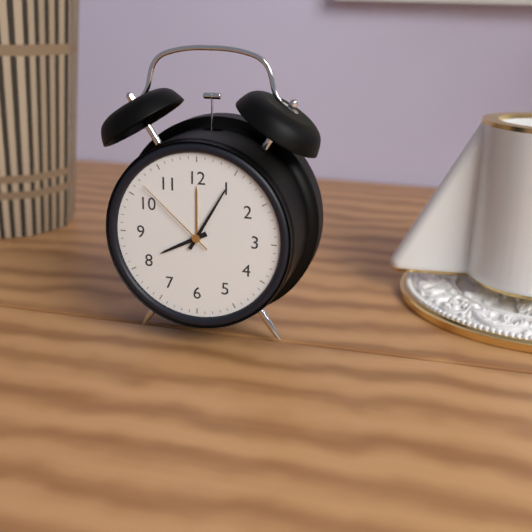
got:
h=8 m=5 s=52
